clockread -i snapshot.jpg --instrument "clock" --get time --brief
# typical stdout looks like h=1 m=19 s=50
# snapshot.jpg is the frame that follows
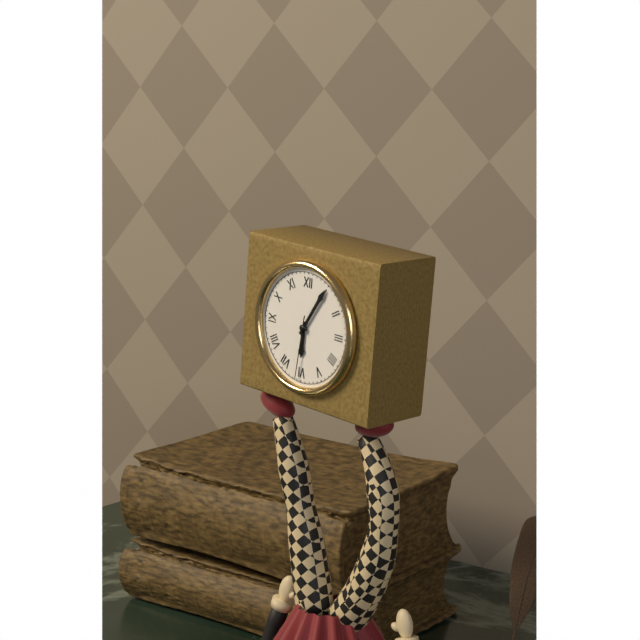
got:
h=6 m=5 s=31
